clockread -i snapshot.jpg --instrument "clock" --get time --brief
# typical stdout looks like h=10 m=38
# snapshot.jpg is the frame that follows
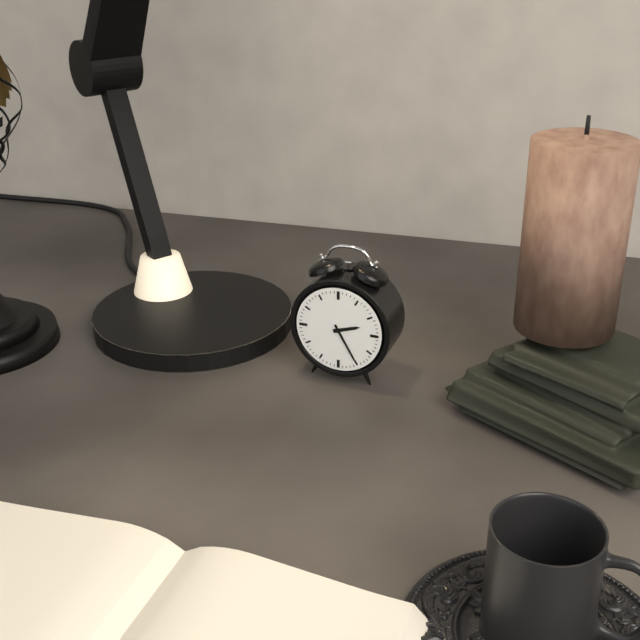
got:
h=2 m=25
